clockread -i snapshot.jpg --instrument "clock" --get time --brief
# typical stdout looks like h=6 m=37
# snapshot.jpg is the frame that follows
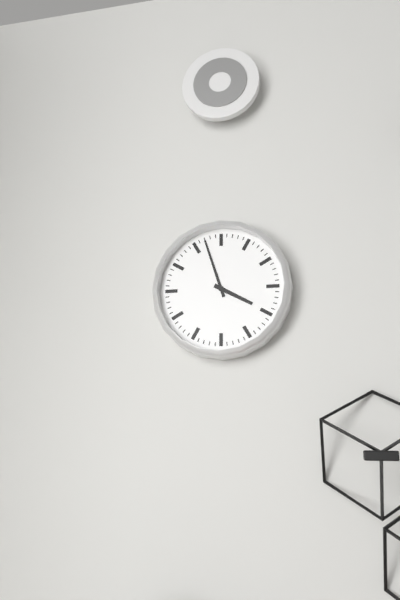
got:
h=3 m=57
